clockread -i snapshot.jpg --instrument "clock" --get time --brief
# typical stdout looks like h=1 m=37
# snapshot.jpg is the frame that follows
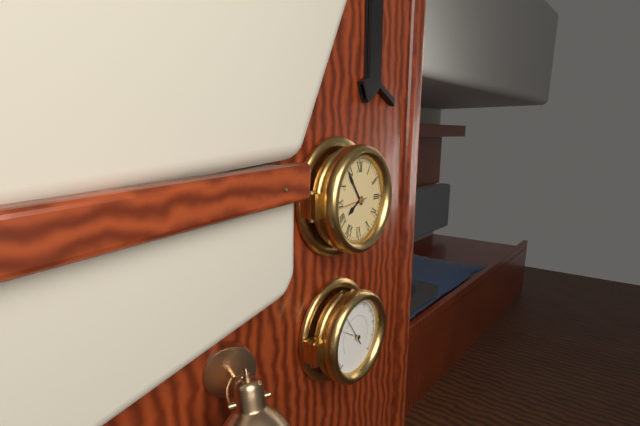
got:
h=7 m=54
